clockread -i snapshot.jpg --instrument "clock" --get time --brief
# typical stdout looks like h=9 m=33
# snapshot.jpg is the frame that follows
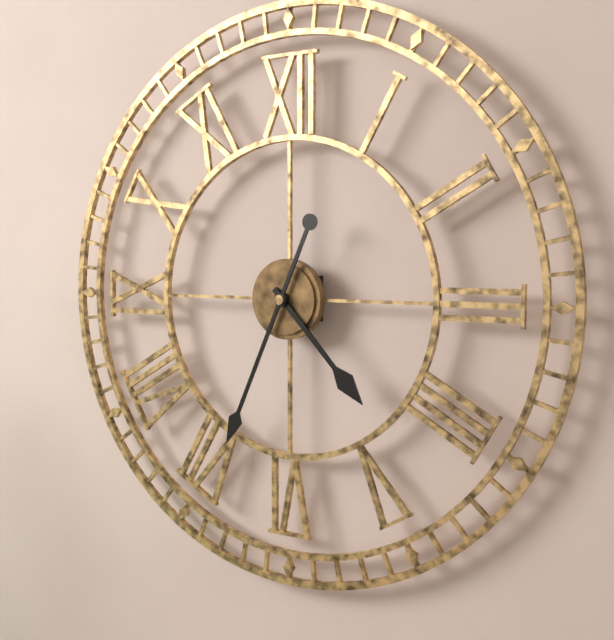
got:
h=4 m=34
